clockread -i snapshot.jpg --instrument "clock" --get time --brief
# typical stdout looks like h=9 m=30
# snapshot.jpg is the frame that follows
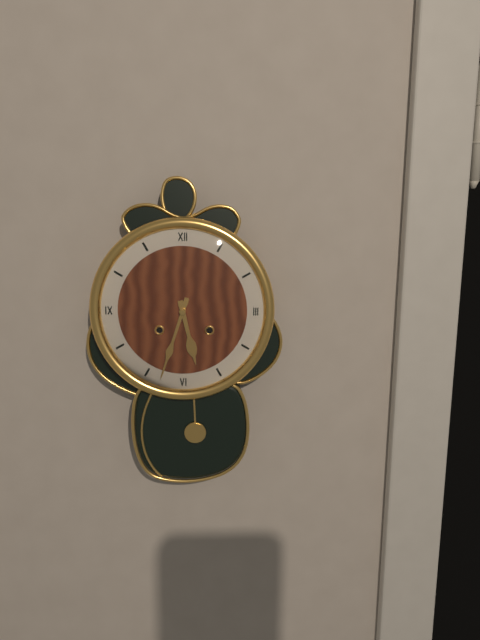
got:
h=5 m=33
